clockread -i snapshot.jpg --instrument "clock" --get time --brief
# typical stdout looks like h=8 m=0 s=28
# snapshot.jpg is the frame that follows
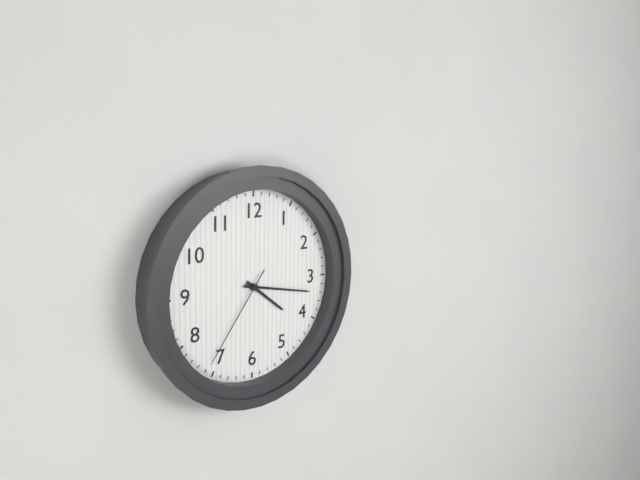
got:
h=4 m=17 s=36
